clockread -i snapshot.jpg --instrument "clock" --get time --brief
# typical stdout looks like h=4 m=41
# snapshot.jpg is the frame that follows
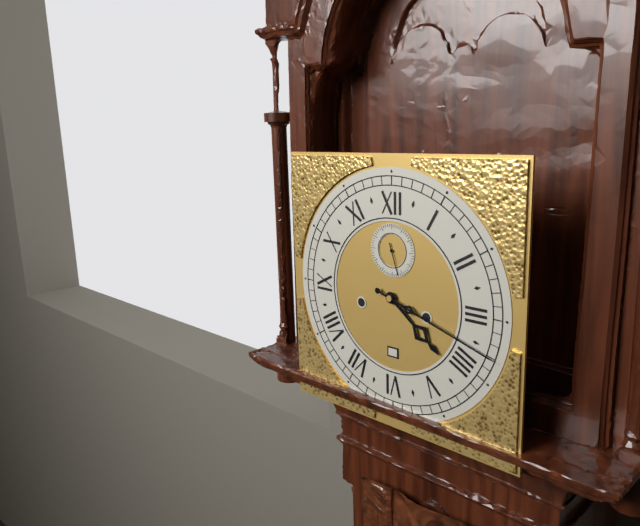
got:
h=4 m=18
